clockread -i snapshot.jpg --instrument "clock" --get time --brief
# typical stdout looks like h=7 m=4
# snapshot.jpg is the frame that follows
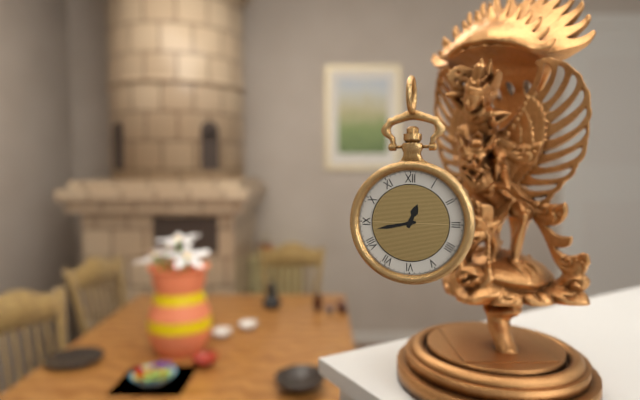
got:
h=12 m=43
